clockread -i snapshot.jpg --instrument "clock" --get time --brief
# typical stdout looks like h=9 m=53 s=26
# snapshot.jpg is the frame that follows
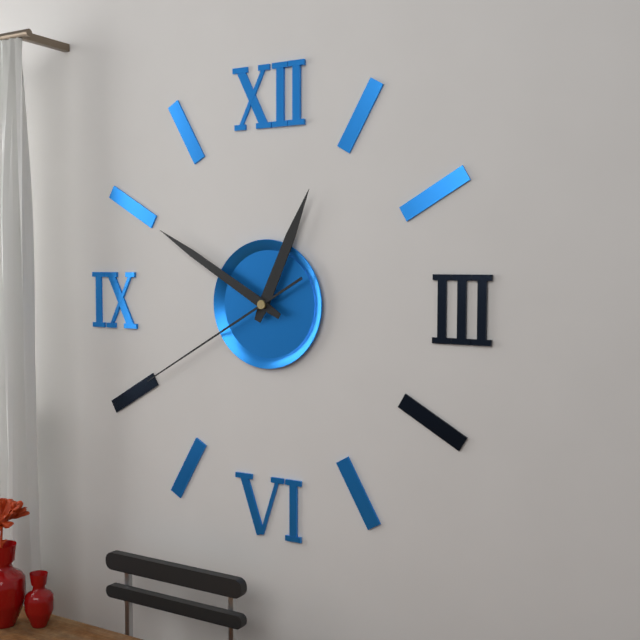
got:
h=12 m=50 s=40
